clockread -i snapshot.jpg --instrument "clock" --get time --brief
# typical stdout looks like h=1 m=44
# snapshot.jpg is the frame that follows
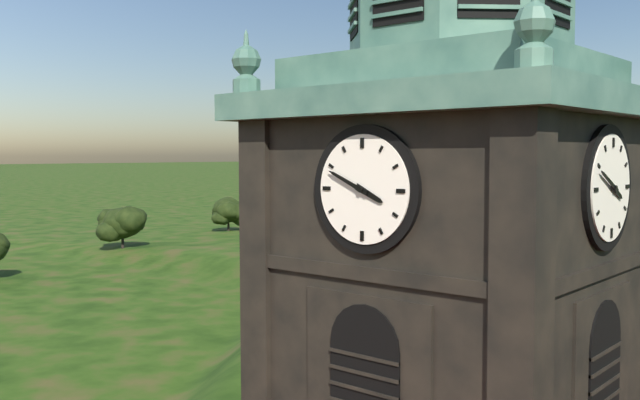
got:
h=3 m=49
